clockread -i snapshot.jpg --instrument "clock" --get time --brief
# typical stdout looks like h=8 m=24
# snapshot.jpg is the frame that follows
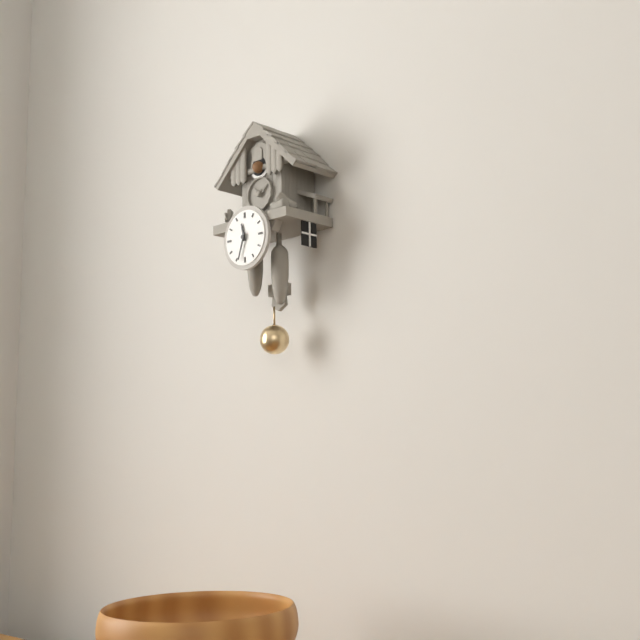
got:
h=11 m=33
